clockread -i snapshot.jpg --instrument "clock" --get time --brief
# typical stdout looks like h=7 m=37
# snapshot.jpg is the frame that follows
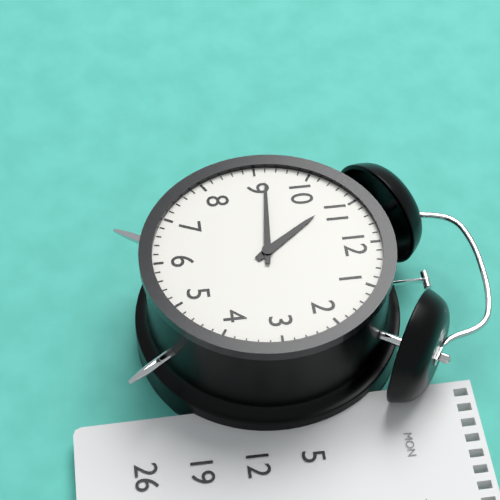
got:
h=10 m=46
